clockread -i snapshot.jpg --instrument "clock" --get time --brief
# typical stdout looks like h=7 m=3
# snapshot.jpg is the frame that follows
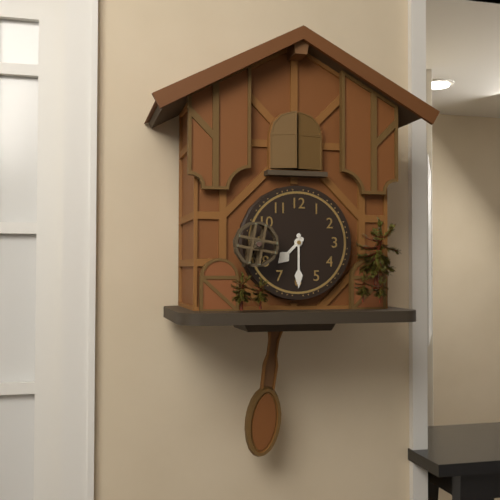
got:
h=7 m=30
